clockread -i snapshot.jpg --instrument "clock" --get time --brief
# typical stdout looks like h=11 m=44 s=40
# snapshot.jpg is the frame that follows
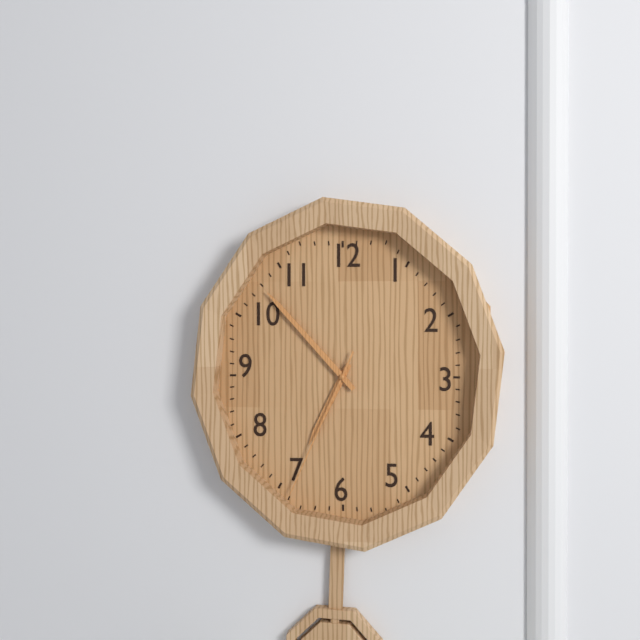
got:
h=6 m=53 s=34
